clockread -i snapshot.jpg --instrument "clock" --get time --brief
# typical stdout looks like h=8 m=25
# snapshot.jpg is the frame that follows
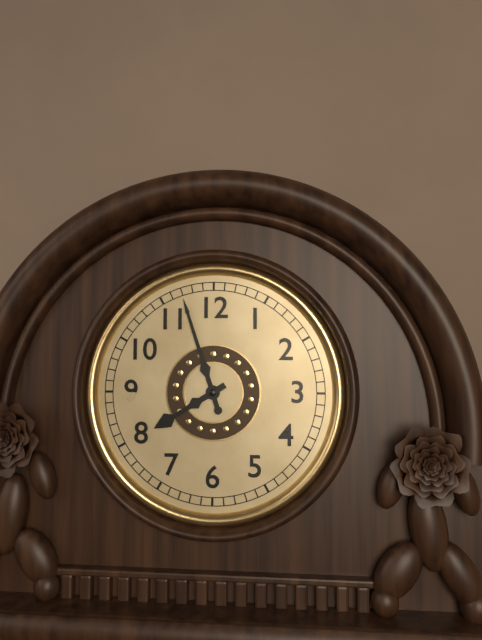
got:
h=7 m=57
